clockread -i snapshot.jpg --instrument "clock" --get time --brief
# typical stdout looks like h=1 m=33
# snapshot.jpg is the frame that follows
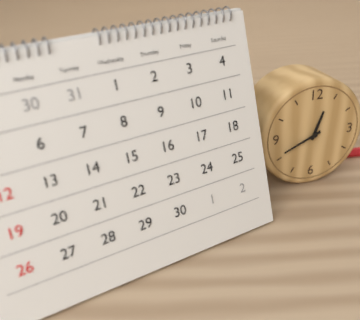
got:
h=12 m=41
